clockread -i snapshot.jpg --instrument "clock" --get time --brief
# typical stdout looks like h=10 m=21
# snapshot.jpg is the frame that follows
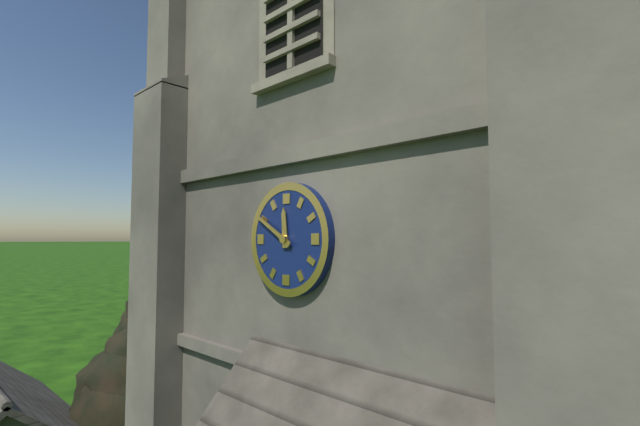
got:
h=11 m=50
